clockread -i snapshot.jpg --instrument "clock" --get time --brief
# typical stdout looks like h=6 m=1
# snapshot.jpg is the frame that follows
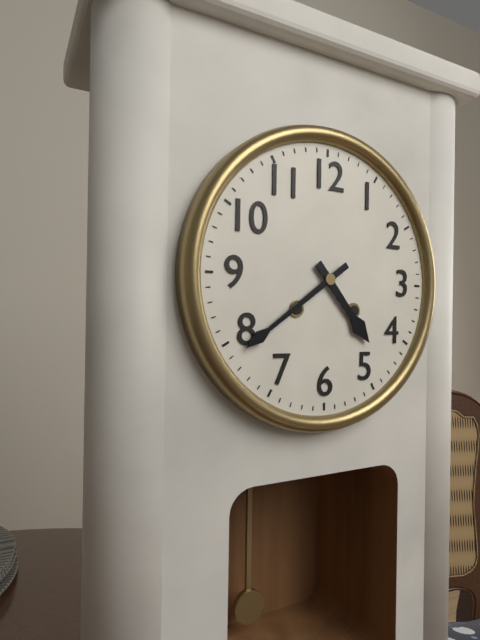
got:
h=4 m=39
